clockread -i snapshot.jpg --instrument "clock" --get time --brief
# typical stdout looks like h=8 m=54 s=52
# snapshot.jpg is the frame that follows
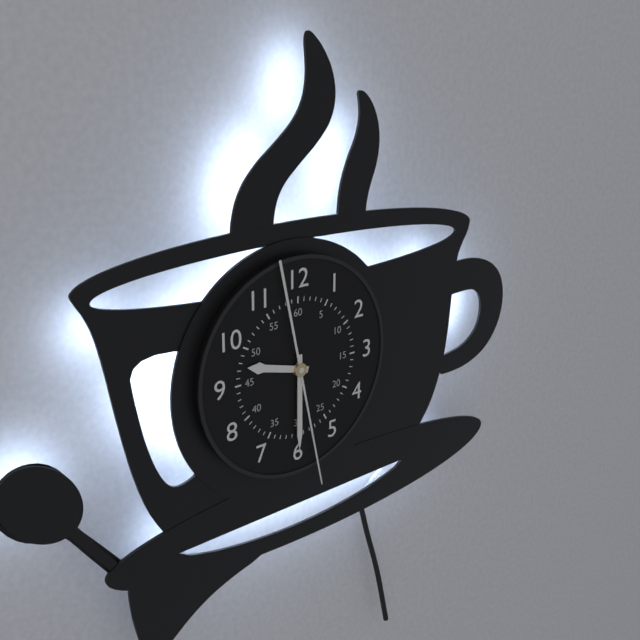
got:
h=9 m=30 s=28
